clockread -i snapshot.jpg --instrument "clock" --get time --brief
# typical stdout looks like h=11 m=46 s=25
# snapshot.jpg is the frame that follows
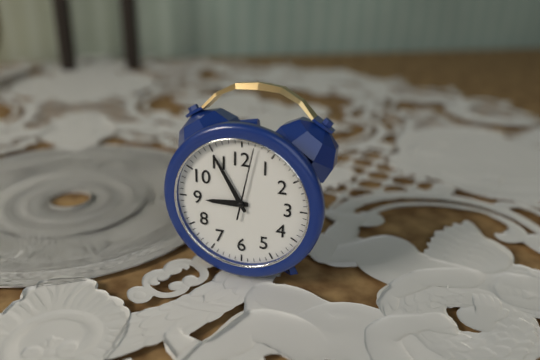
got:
h=8 m=55 s=2
